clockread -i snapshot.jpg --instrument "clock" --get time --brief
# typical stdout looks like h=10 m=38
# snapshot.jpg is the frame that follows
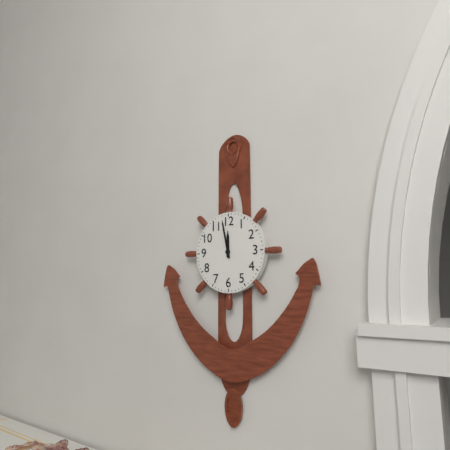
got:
h=11 m=58
